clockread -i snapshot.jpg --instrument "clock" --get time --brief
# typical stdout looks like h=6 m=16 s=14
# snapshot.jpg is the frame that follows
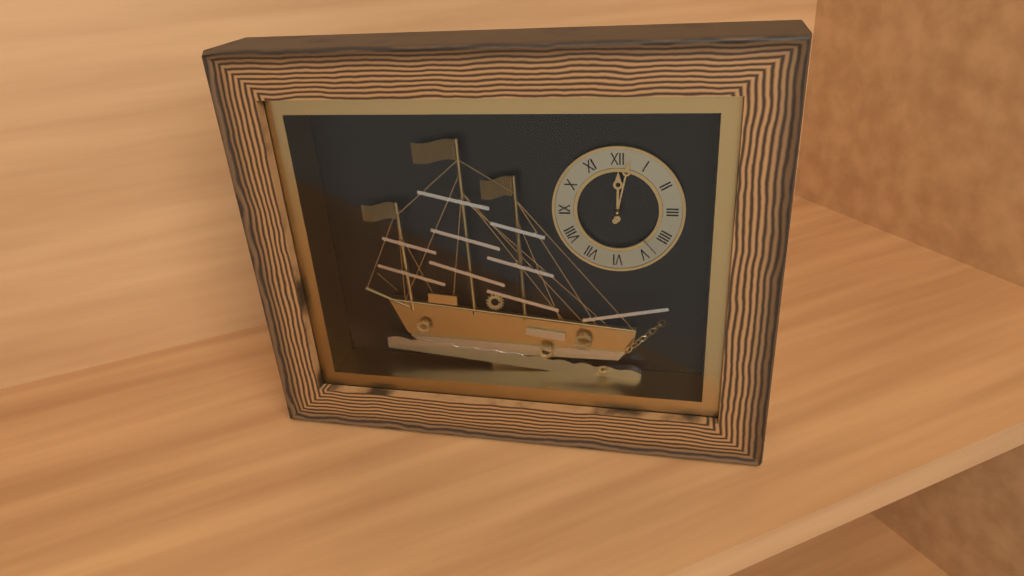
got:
h=12 m=2 s=23
